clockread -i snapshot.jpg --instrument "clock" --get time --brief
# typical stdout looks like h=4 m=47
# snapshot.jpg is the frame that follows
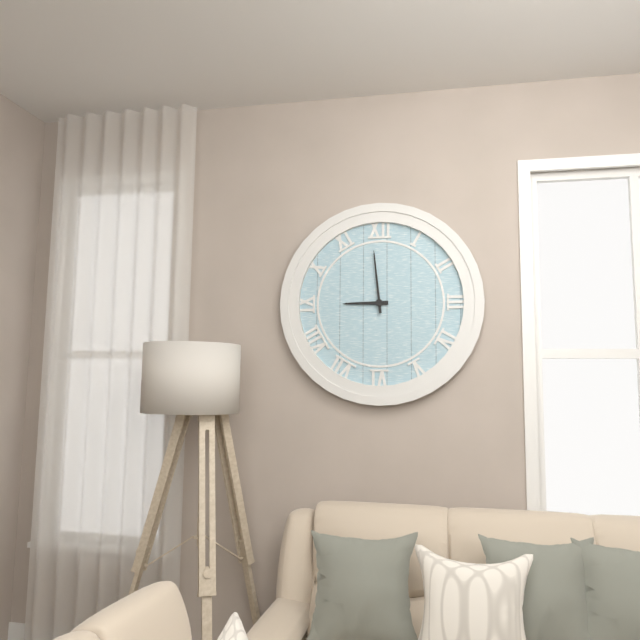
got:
h=8 m=59
